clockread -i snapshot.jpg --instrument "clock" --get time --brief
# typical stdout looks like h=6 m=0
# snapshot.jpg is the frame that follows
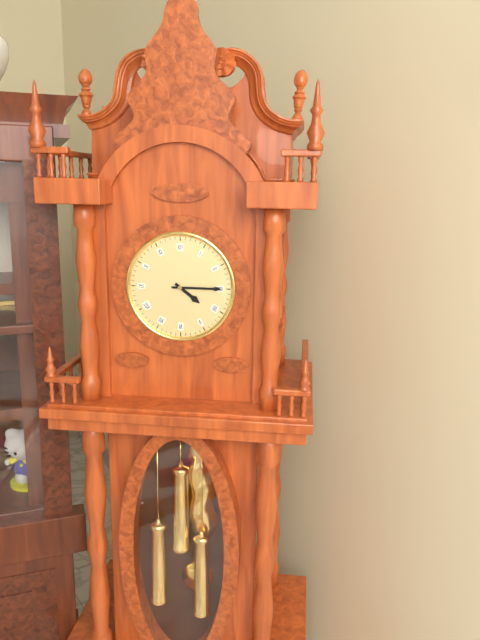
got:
h=4 m=15
